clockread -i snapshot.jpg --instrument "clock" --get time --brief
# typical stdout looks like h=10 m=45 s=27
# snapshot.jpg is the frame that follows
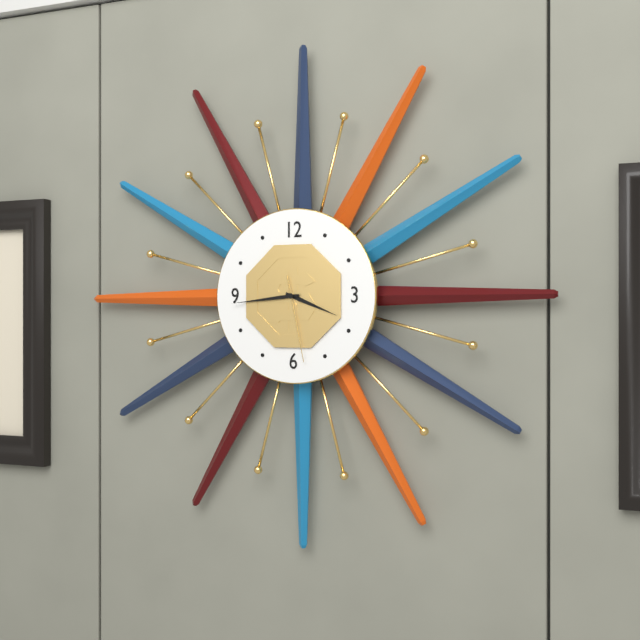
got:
h=3 m=44 s=28
